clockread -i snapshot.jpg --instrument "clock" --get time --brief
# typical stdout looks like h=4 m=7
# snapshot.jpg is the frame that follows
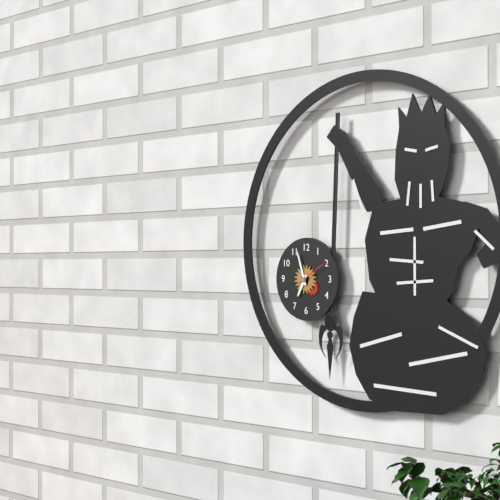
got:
h=6 m=57
